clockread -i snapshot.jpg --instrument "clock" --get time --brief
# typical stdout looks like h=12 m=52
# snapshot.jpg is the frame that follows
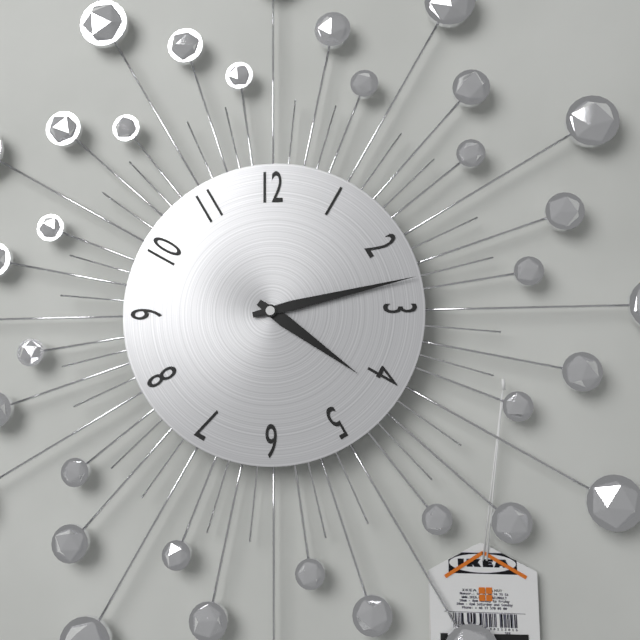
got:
h=4 m=13
